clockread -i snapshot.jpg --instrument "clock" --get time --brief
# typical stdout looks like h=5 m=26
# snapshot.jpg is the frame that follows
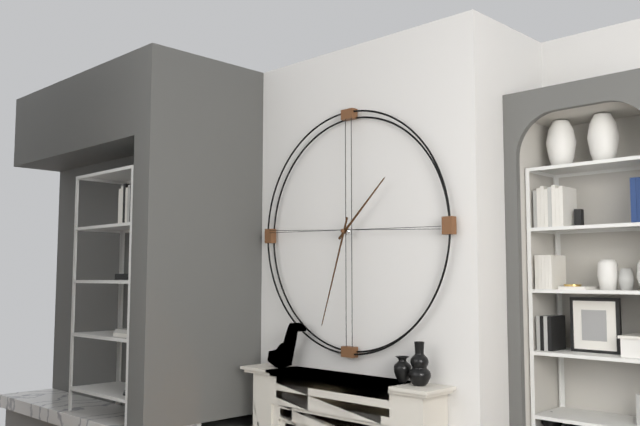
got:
h=1 m=33
